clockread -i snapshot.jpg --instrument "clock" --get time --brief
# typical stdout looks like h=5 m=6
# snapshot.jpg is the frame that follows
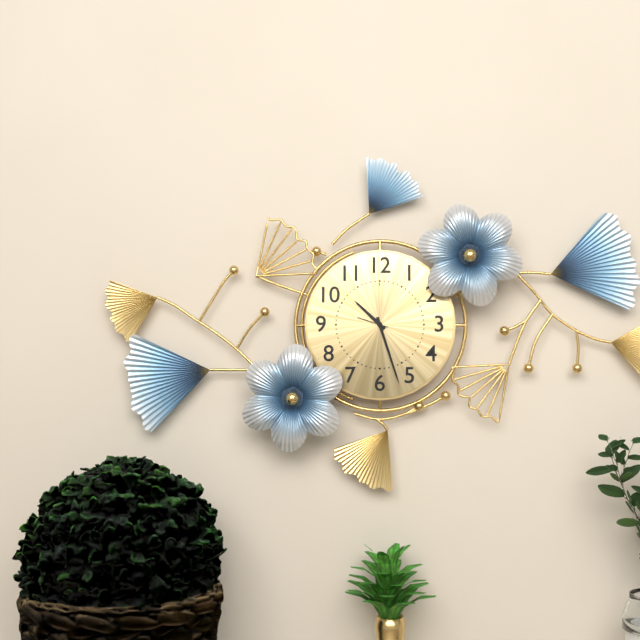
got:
h=10 m=27
